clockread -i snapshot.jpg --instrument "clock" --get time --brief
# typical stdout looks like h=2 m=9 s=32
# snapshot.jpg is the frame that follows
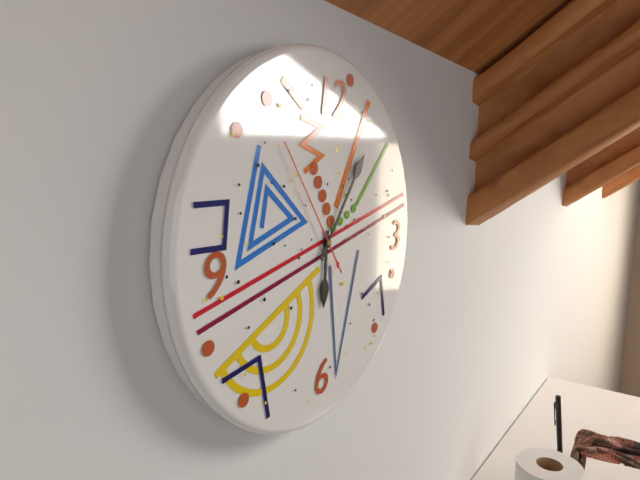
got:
h=6 m=6 s=54
